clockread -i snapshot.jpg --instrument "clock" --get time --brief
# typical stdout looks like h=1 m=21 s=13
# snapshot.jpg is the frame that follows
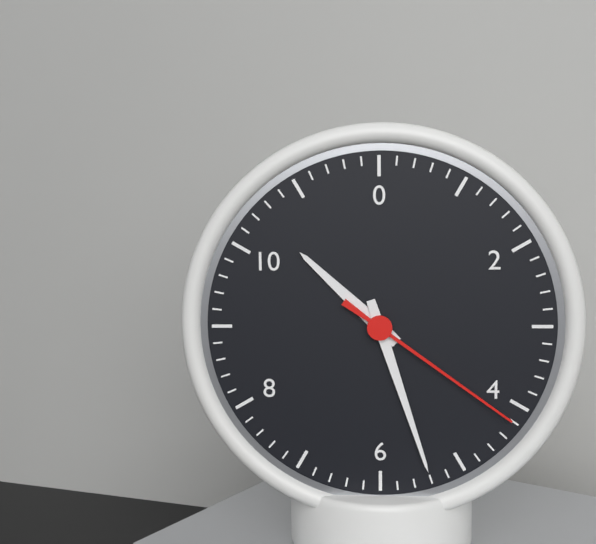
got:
h=10 m=27 s=21
